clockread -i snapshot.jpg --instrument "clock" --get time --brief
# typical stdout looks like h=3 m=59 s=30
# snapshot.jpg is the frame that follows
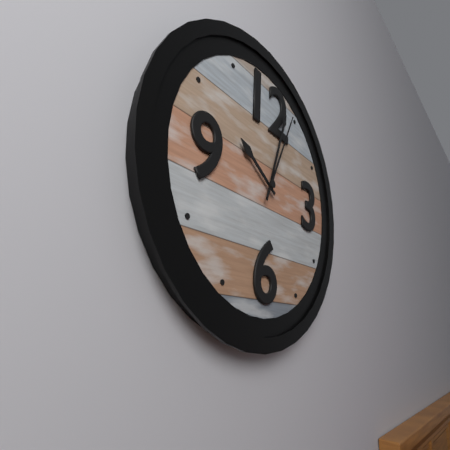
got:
h=10 m=3 s=4
